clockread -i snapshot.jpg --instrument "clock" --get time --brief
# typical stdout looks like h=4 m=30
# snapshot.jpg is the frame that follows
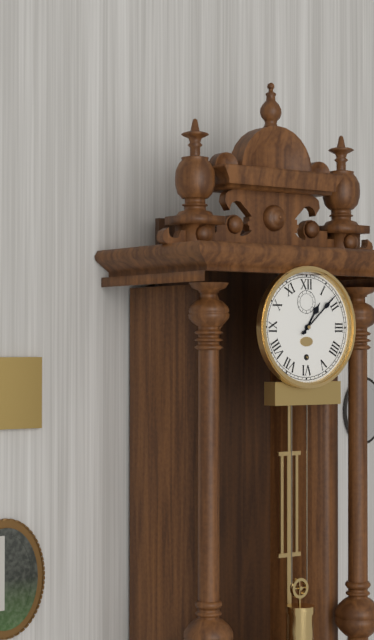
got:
h=1 m=8
